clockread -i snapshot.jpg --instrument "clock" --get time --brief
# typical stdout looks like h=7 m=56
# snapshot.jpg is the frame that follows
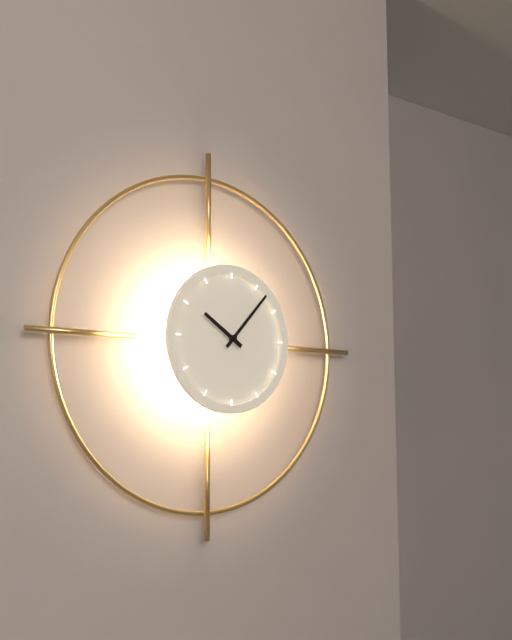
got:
h=10 m=7
